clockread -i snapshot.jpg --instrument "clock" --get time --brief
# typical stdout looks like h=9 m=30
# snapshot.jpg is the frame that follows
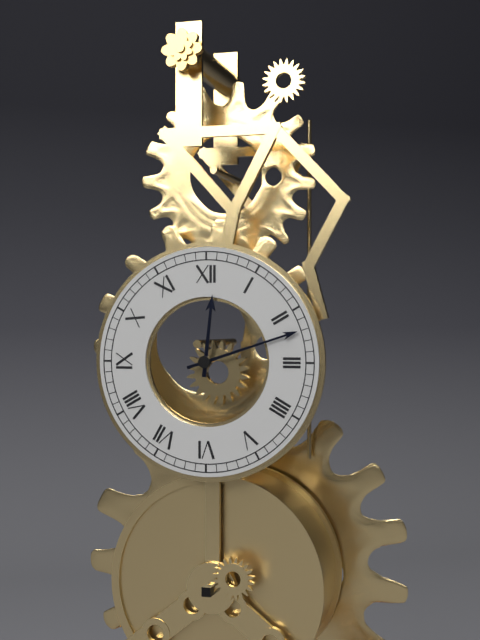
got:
h=12 m=12
